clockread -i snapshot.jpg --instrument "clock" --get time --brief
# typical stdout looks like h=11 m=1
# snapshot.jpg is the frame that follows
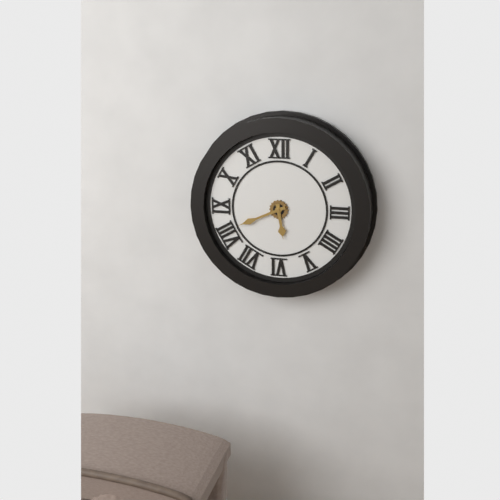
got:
h=5 m=41
